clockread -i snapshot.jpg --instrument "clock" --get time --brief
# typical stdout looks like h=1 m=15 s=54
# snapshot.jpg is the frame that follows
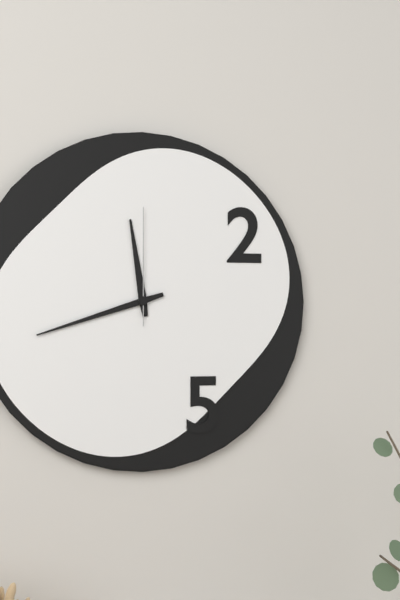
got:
h=11 m=42 s=0
